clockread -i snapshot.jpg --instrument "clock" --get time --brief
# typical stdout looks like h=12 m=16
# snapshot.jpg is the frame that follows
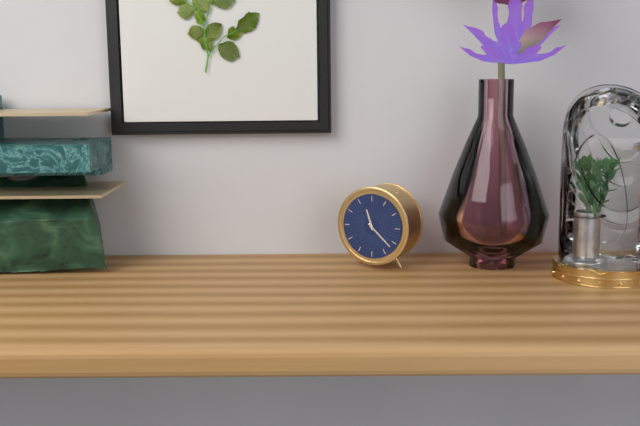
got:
h=11 m=22
